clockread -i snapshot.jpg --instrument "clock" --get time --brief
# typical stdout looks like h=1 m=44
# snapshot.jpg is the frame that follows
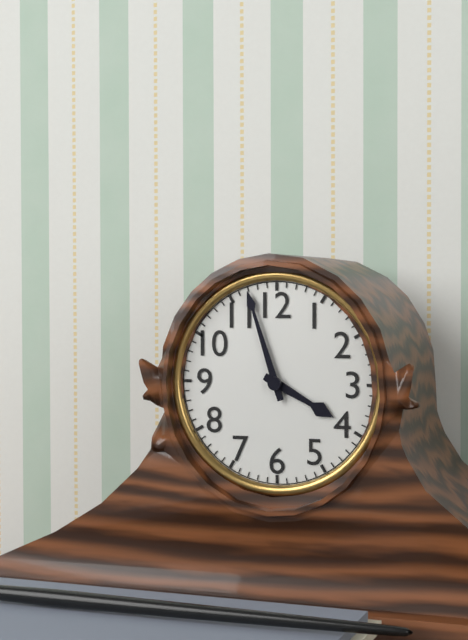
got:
h=3 m=57
